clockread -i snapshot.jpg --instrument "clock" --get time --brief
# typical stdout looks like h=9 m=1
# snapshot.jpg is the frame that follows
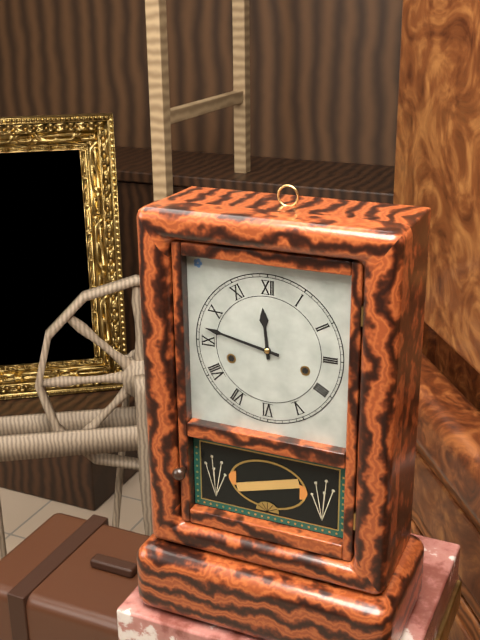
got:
h=11 m=47
